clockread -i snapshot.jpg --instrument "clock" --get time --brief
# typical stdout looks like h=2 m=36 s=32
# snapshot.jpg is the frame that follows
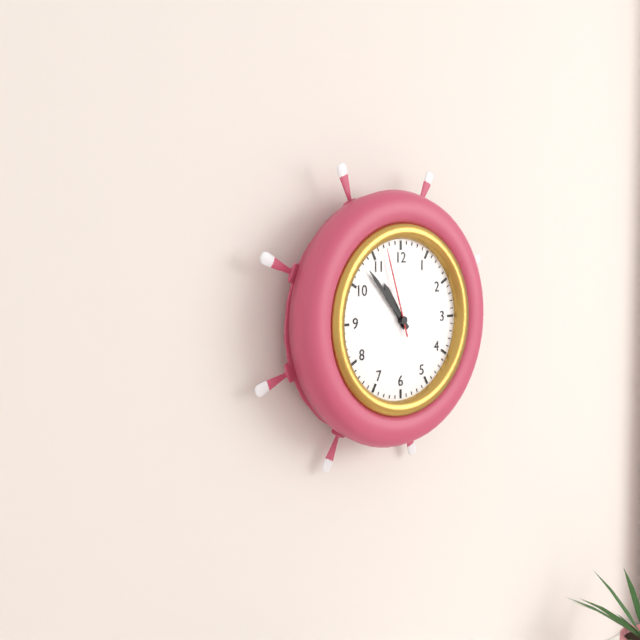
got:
h=10 m=53 s=57
